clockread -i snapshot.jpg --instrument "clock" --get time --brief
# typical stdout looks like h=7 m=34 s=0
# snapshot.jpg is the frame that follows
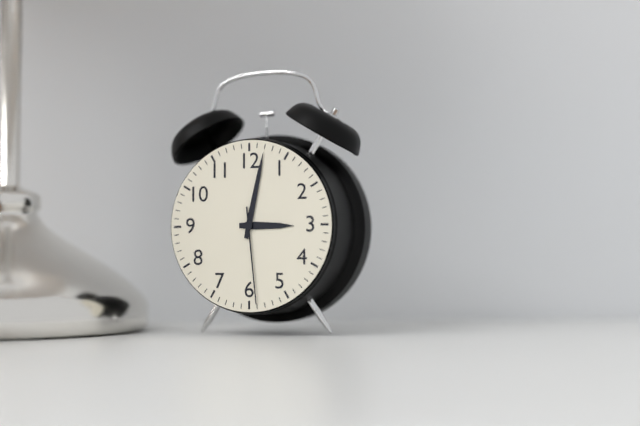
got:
h=3 m=2 s=29
